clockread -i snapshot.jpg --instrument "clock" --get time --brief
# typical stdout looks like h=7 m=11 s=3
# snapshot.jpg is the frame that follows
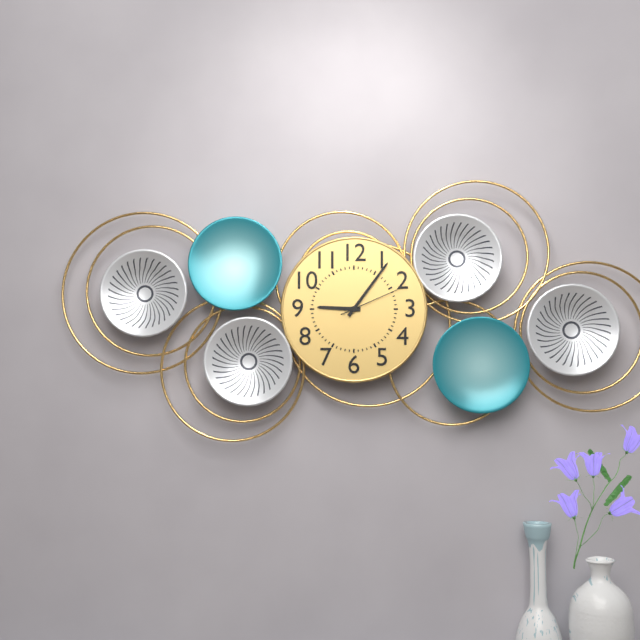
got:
h=9 m=6 s=11
